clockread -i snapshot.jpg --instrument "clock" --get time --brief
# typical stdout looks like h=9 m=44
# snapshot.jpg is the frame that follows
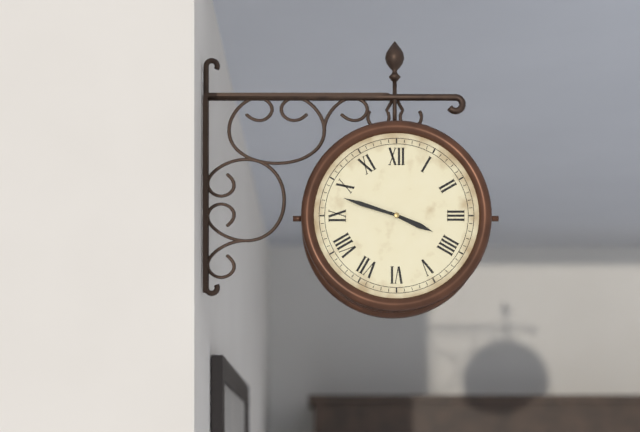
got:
h=3 m=48
